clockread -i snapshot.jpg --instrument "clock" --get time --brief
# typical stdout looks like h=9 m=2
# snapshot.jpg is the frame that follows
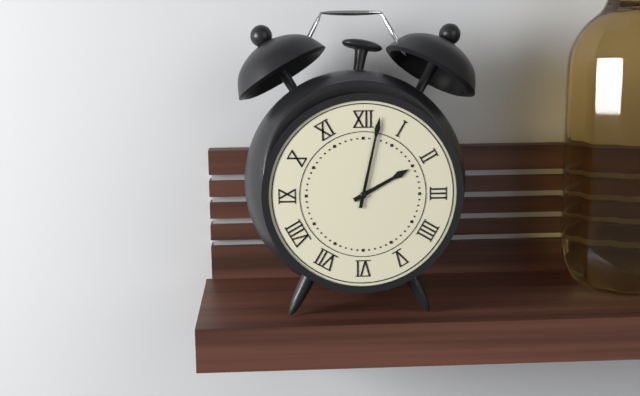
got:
h=2 m=2
